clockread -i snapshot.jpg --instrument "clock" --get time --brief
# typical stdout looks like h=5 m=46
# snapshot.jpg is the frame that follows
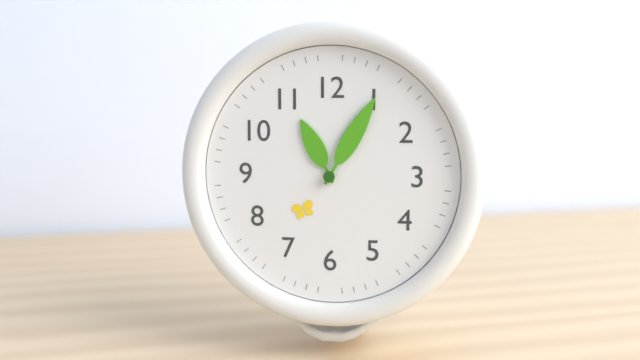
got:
h=11 m=5
